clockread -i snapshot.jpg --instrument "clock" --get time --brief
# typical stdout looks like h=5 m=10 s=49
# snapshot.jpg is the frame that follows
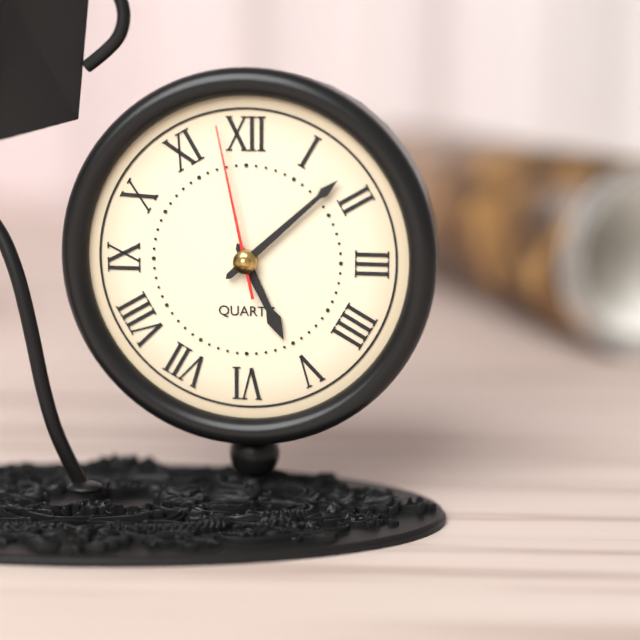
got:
h=5 m=8 s=58
